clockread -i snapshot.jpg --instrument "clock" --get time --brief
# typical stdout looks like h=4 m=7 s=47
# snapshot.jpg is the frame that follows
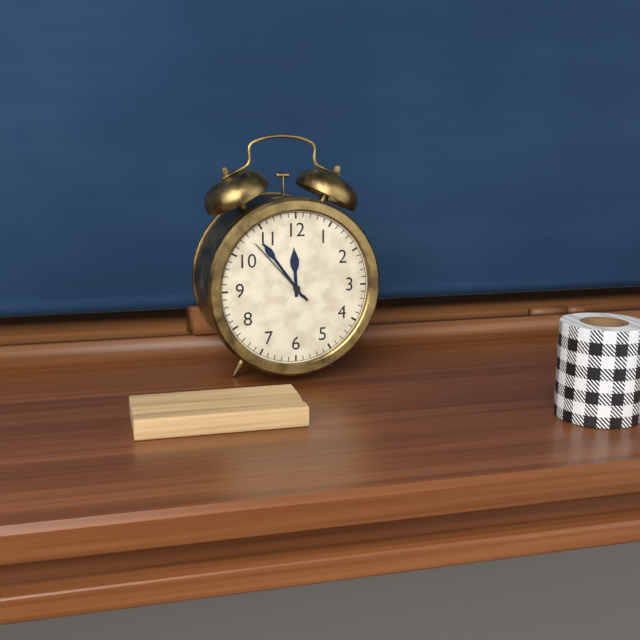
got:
h=11 m=54 s=53
